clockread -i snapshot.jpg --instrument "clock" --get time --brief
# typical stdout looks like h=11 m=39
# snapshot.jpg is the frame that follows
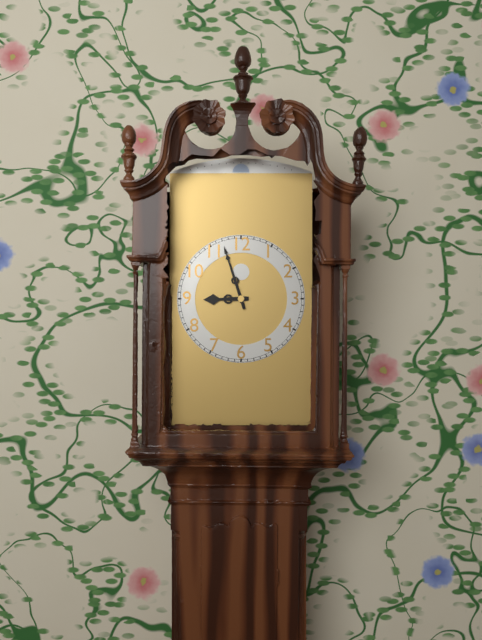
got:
h=8 m=57
